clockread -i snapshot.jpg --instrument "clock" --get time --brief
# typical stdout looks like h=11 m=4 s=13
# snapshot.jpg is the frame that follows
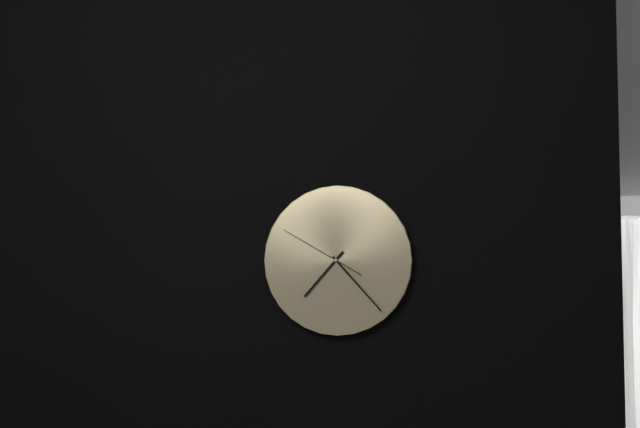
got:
h=7 m=23 s=50
